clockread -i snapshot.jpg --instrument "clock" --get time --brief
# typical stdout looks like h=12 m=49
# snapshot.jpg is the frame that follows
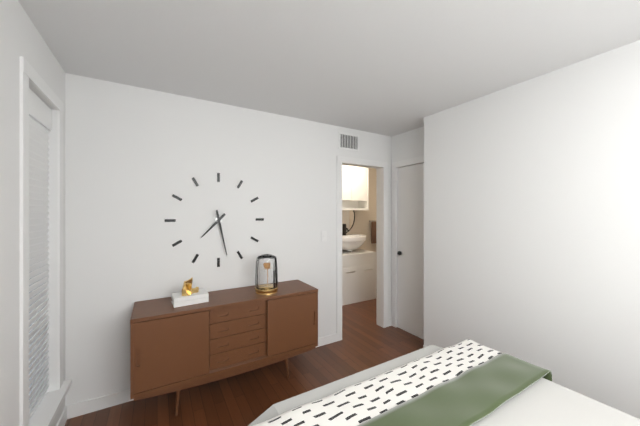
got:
h=7 m=28
